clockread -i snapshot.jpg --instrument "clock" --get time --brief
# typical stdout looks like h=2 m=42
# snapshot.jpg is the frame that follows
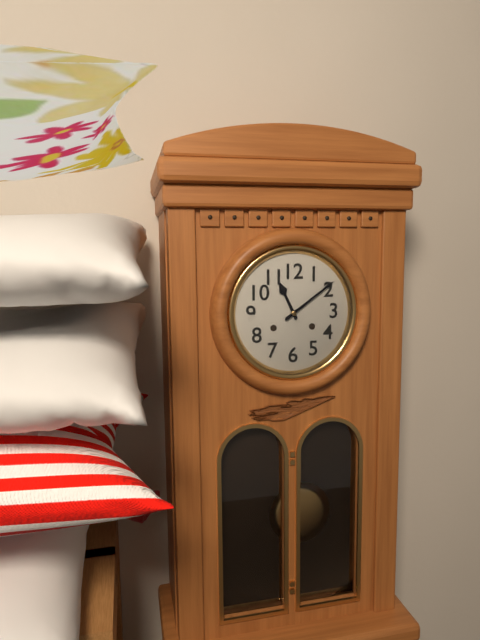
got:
h=11 m=9
